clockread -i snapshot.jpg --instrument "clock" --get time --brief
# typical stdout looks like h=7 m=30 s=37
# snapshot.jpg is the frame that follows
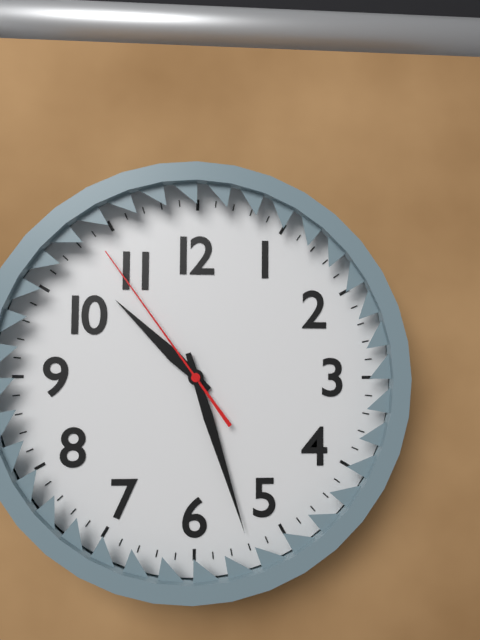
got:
h=10 m=27 s=54
